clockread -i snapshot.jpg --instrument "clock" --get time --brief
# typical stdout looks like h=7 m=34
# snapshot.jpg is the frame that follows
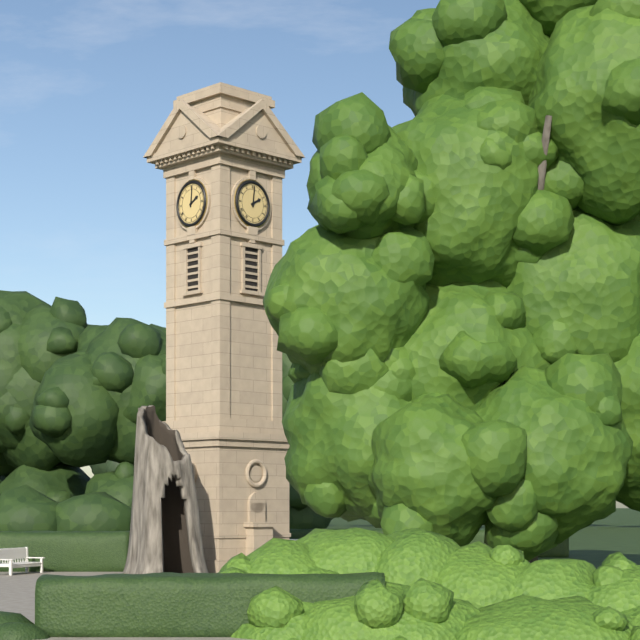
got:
h=2 m=1
